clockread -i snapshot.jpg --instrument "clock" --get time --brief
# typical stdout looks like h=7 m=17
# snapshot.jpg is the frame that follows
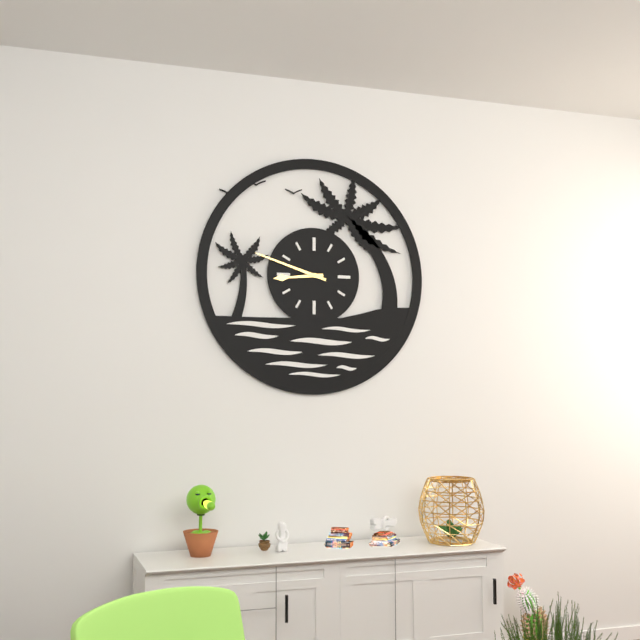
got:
h=8 m=48
